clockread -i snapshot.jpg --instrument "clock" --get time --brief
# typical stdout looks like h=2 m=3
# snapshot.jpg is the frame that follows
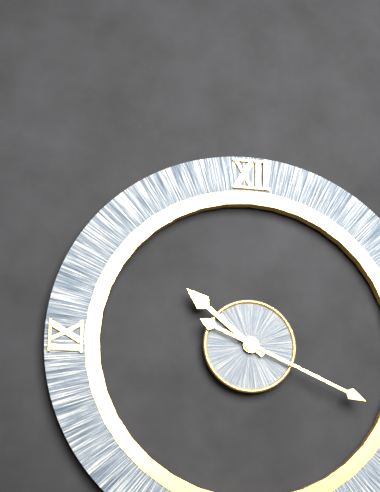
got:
h=10 m=19
